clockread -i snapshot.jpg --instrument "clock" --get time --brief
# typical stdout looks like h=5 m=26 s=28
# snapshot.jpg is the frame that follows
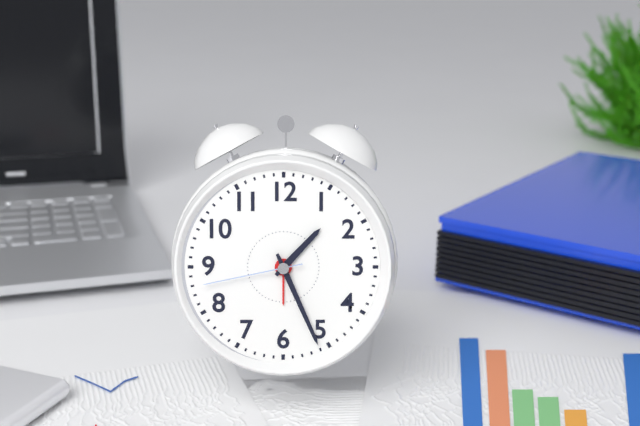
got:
h=1 m=26 s=43
